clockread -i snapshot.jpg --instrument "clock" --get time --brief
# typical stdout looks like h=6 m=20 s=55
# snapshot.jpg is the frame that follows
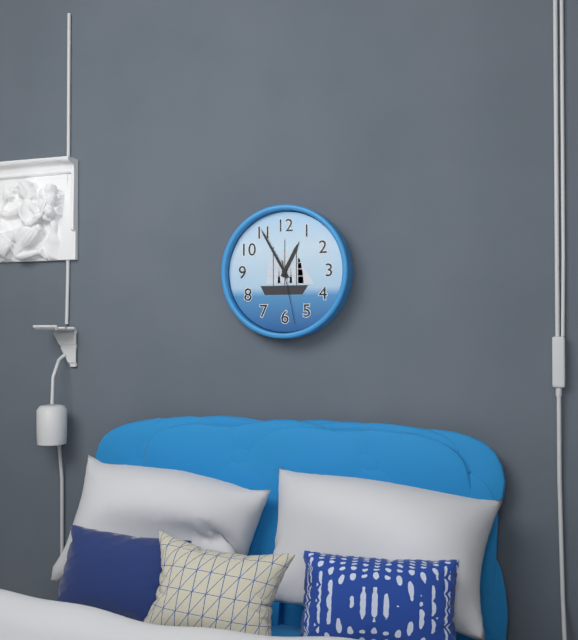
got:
h=12 m=55 s=28
